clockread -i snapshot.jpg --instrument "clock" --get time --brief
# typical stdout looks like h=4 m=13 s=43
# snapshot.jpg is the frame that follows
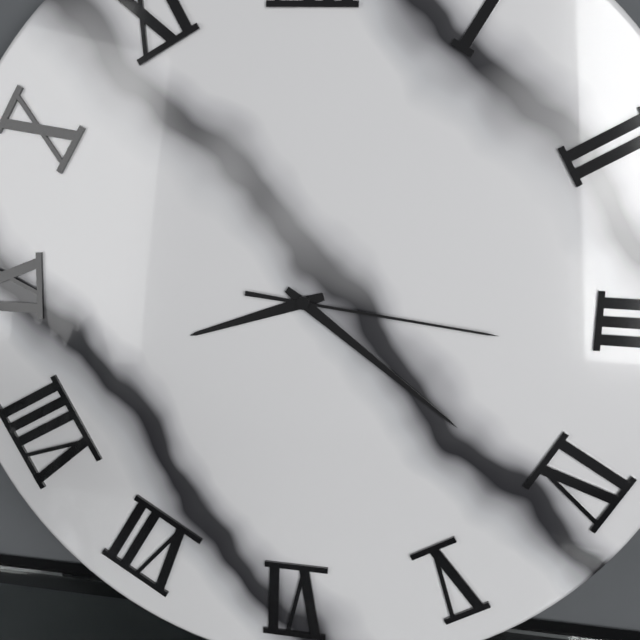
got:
h=8 m=21 s=16
